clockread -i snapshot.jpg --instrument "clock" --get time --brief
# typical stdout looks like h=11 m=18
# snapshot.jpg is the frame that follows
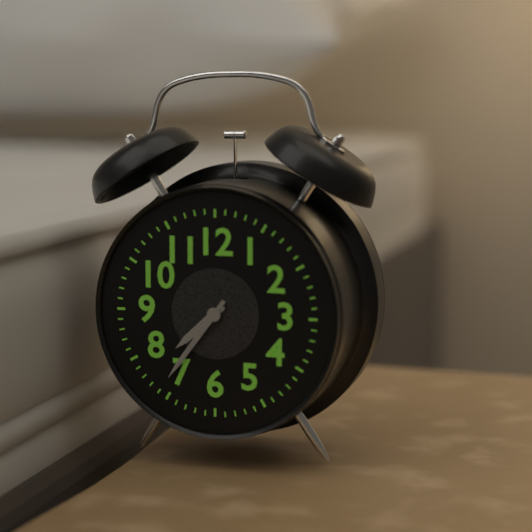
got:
h=7 m=36
